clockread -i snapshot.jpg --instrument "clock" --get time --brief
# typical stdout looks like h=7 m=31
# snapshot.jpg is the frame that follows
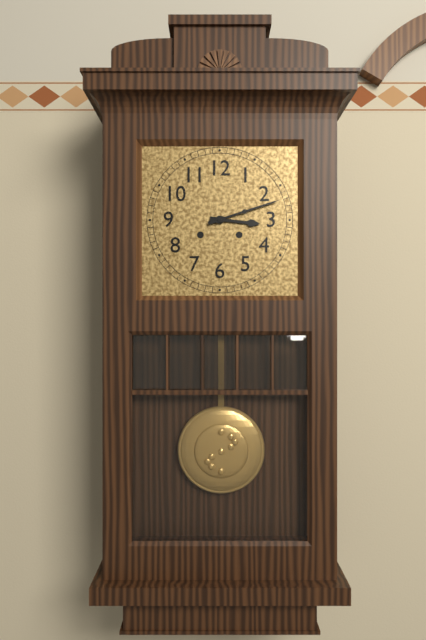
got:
h=3 m=12
